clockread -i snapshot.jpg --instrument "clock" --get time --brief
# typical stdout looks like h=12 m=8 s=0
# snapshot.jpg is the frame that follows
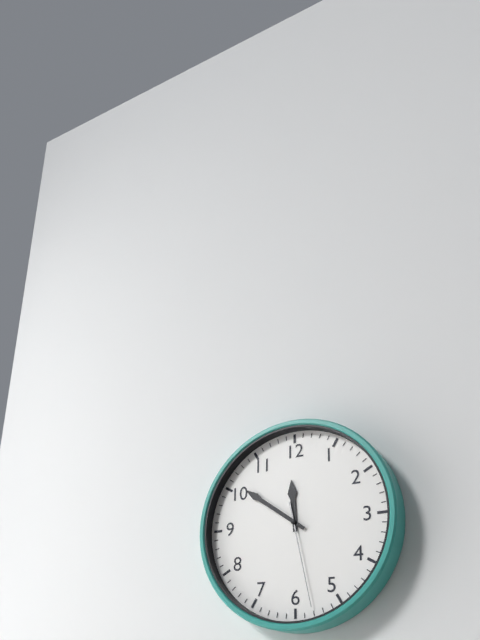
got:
h=11 m=51 s=28
